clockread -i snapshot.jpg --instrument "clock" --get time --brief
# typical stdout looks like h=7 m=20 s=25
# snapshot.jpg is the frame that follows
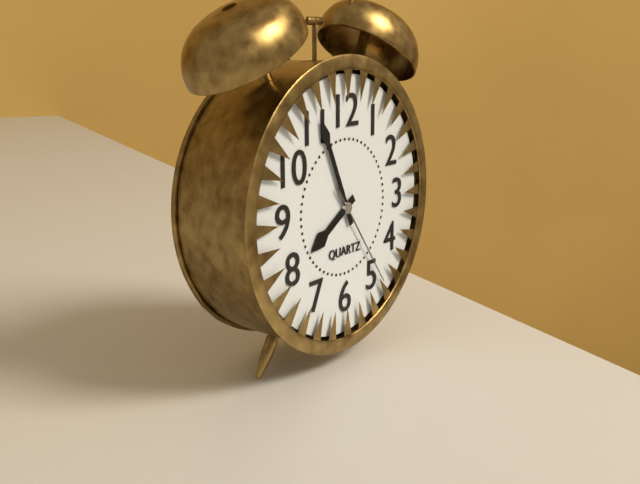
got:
h=7 m=56 s=24
